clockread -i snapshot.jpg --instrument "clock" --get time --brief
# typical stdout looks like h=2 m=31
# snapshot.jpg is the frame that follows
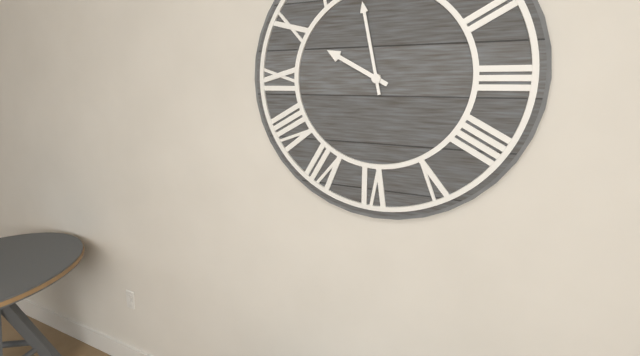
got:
h=9 m=58
